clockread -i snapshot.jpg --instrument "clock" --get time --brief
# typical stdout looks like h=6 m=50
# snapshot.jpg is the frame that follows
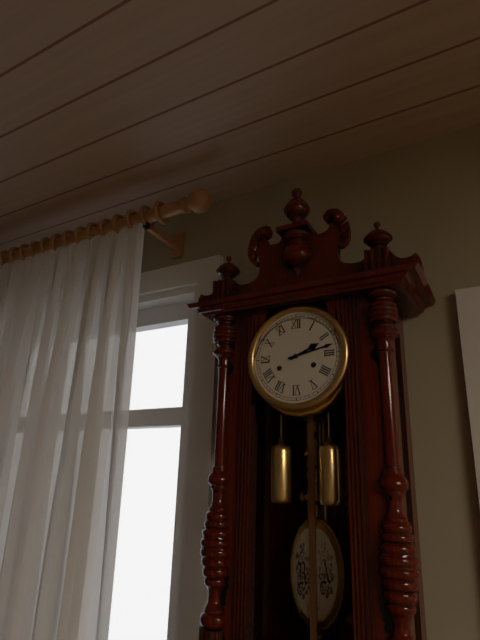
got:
h=2 m=13
